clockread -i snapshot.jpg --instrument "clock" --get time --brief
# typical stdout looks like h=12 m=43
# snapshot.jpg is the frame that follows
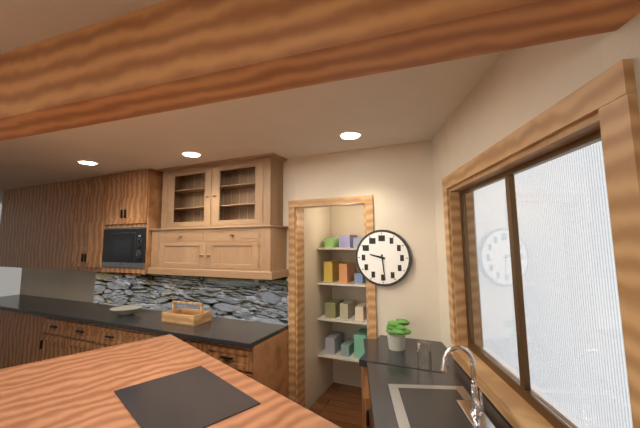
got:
h=9 m=29
